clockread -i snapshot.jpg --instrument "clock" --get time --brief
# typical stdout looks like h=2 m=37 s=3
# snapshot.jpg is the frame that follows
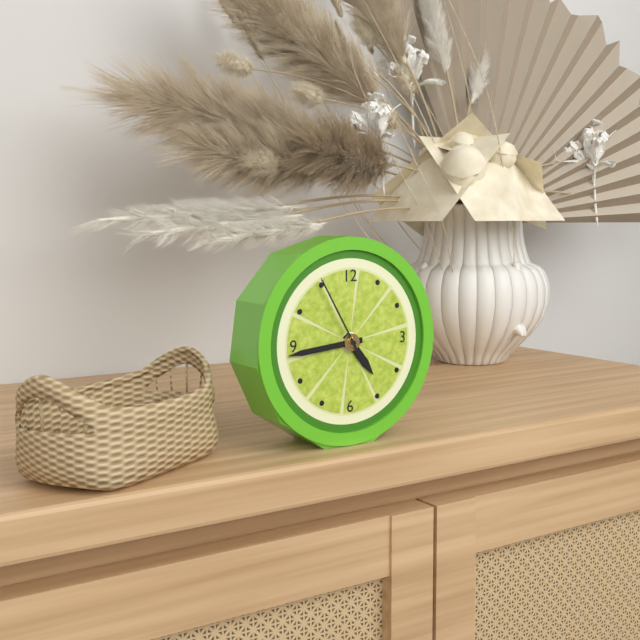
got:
h=4 m=44 s=55
